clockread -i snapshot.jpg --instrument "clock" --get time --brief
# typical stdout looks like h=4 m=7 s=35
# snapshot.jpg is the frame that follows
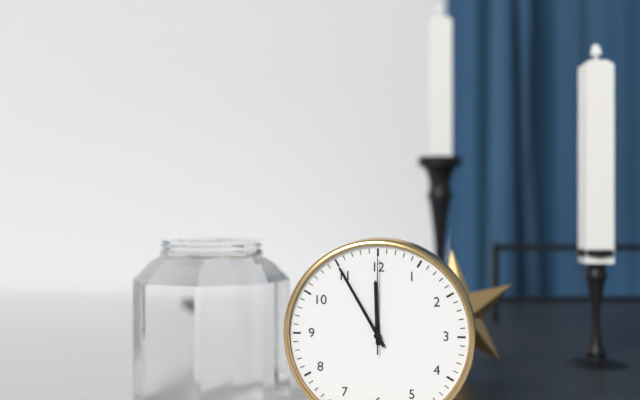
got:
h=11 m=55 s=0
